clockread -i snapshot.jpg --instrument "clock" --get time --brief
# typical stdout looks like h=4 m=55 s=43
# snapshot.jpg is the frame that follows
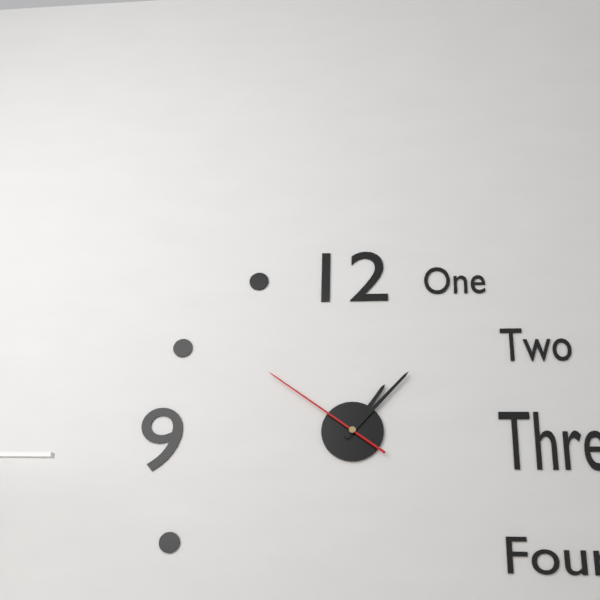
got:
h=1 m=7 s=51
